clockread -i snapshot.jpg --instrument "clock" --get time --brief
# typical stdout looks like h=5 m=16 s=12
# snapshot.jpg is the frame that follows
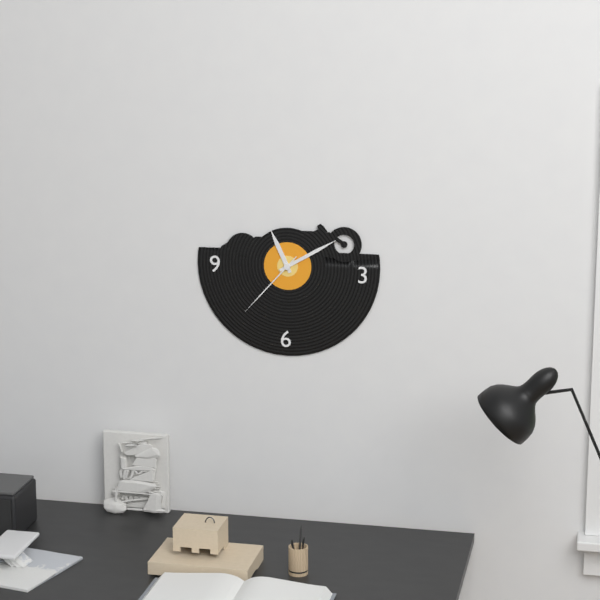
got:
h=11 m=10 s=37
